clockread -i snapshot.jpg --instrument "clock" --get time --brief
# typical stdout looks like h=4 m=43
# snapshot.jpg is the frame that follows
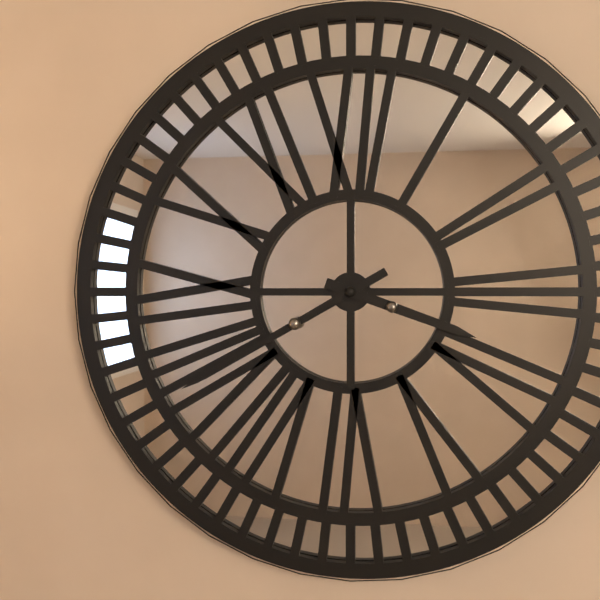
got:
h=3 m=40
